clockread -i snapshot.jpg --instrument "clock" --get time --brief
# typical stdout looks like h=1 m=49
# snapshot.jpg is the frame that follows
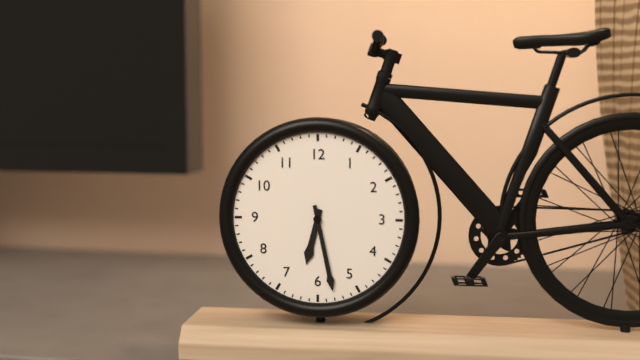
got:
h=6 m=28
